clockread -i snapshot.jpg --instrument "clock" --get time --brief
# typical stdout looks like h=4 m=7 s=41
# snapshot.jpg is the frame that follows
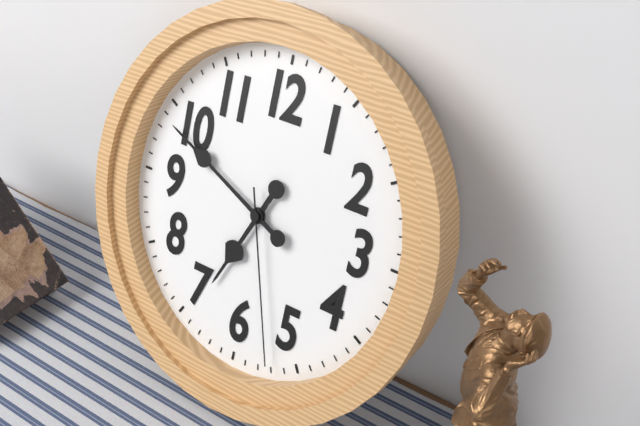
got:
h=6 m=49 s=27
